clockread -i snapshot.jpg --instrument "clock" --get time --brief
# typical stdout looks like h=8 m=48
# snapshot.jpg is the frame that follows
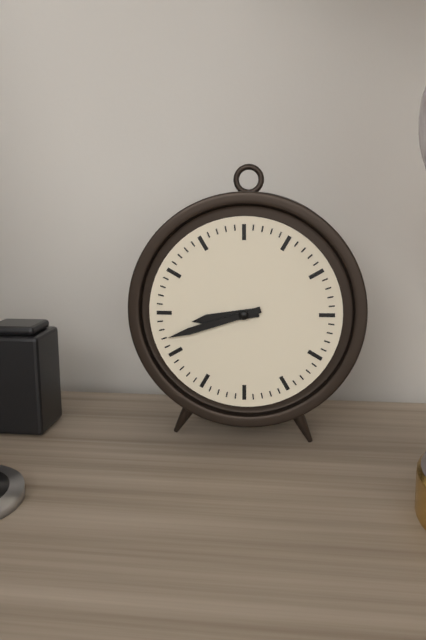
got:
h=8 m=42
